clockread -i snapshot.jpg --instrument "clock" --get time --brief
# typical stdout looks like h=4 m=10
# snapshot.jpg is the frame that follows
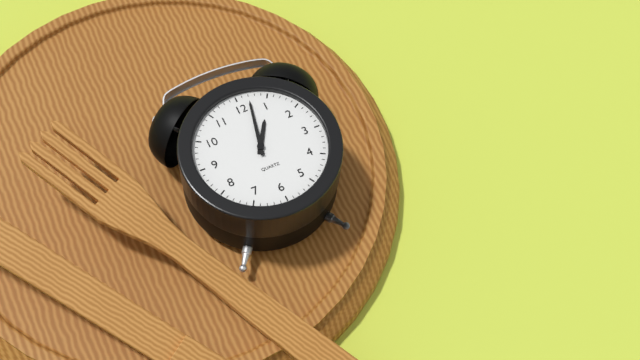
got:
h=1 m=2
